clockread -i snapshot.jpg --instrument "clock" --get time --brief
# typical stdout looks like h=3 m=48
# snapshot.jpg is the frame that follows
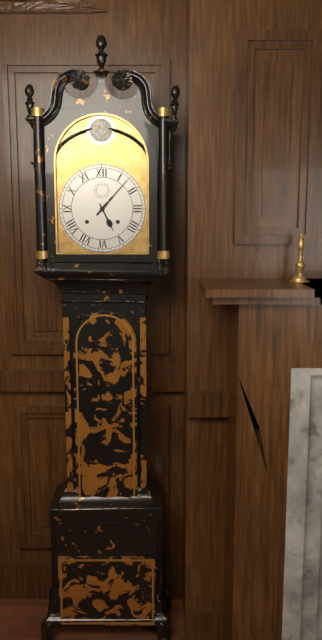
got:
h=5 m=7
